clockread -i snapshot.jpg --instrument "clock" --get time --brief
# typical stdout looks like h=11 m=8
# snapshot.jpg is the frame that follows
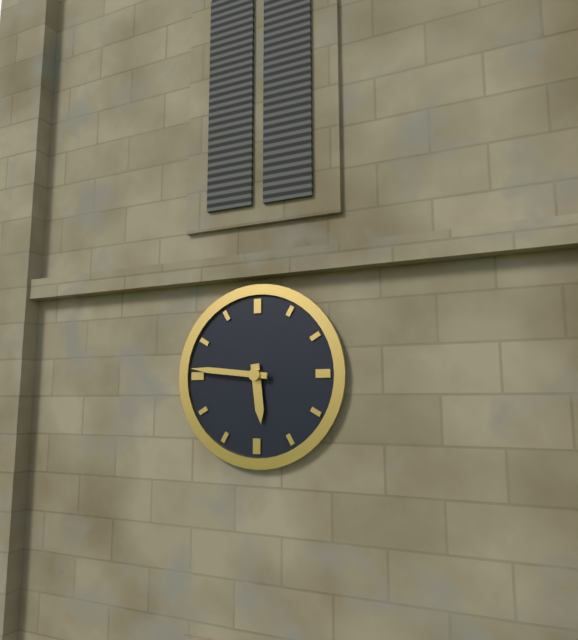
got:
h=5 m=46
